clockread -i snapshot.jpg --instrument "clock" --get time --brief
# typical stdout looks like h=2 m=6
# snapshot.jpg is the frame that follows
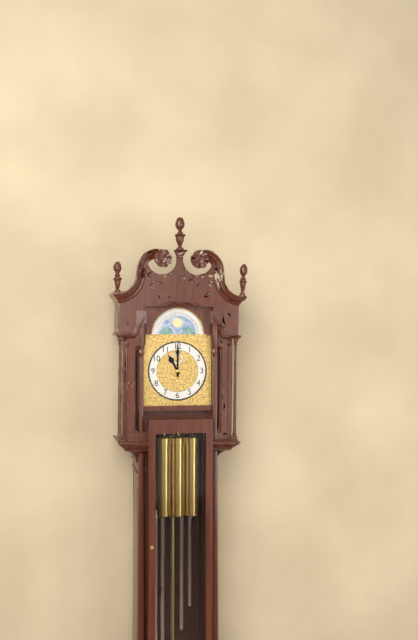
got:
h=11 m=0
